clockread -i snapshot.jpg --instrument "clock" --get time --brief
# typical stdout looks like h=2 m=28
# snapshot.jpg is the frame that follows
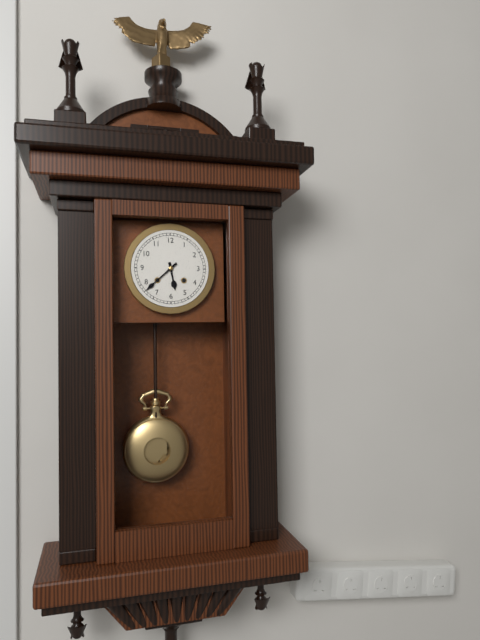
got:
h=5 m=38
